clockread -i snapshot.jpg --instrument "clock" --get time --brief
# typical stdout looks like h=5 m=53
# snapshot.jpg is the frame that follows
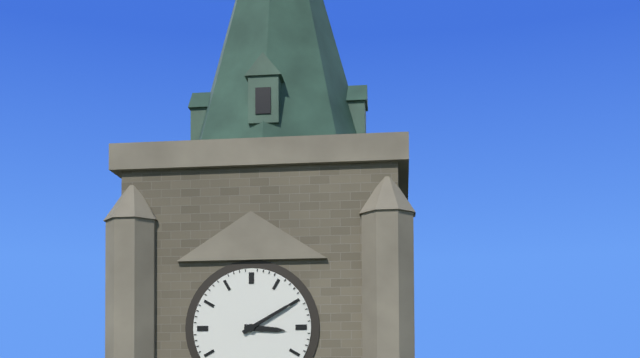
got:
h=3 m=10
